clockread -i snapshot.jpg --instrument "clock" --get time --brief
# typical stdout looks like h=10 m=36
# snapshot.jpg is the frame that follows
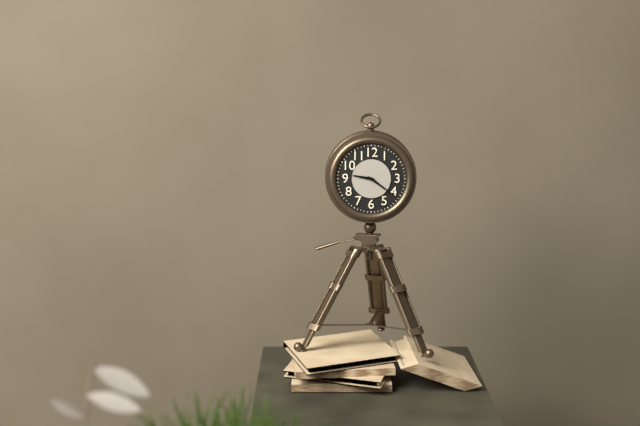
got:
h=9 m=21
